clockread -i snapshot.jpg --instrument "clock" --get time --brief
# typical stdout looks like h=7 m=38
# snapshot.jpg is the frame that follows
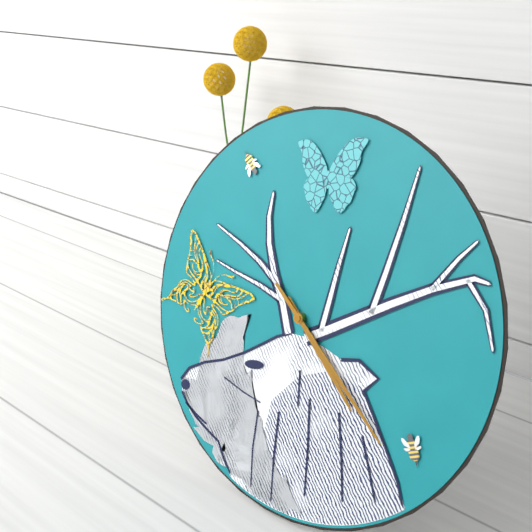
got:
h=4 m=21
